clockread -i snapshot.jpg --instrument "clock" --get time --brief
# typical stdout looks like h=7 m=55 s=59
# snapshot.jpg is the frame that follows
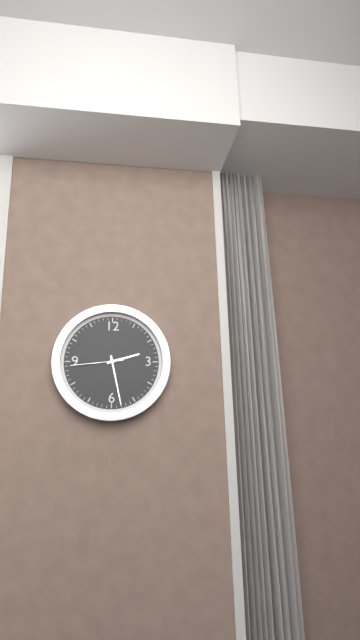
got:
h=2 m=28 s=44
